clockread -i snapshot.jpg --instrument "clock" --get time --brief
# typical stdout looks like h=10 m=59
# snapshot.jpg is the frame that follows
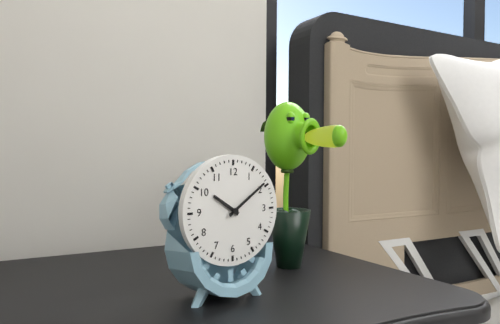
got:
h=10 m=9
